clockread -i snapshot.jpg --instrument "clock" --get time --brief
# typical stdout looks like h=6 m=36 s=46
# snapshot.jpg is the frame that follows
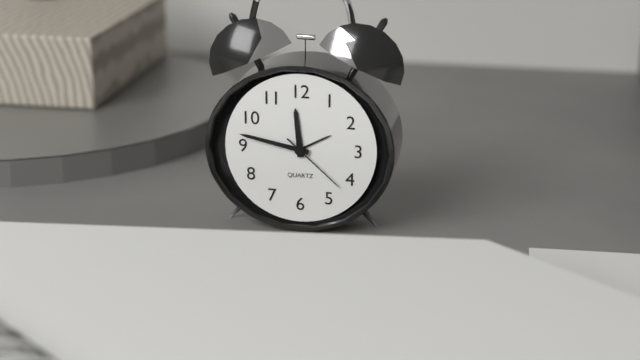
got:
h=11 m=47 s=22
